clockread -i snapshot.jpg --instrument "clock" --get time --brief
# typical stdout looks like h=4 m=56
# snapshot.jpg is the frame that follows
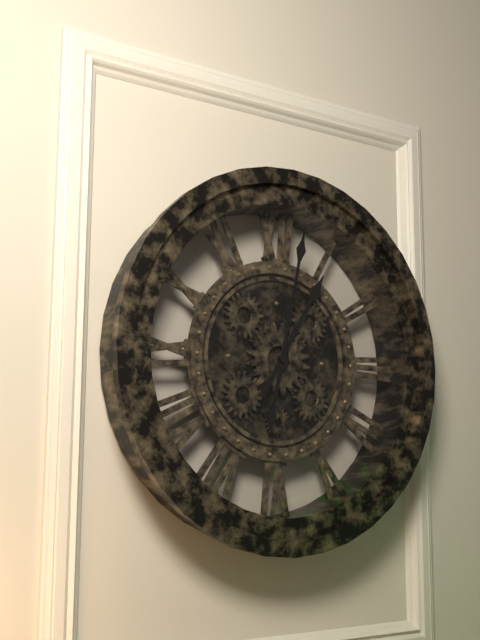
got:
h=1 m=2
